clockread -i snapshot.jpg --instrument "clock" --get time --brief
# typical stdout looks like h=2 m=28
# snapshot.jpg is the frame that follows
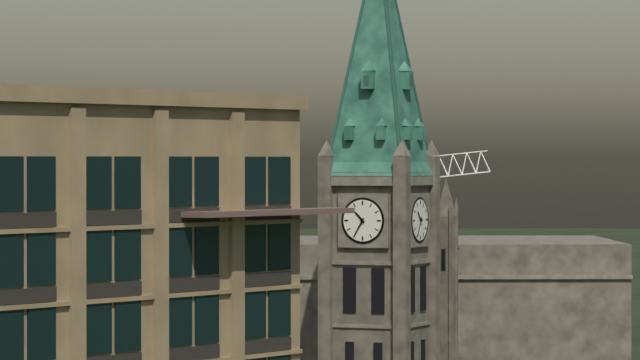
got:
h=10 m=35
